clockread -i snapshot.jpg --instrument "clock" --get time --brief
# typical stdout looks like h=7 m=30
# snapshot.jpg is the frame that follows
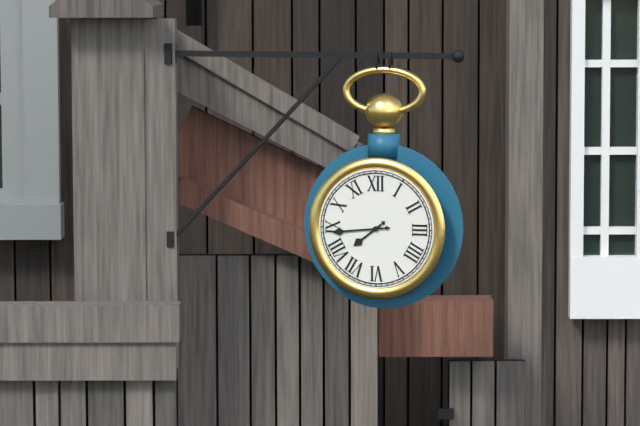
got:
h=7 m=44
